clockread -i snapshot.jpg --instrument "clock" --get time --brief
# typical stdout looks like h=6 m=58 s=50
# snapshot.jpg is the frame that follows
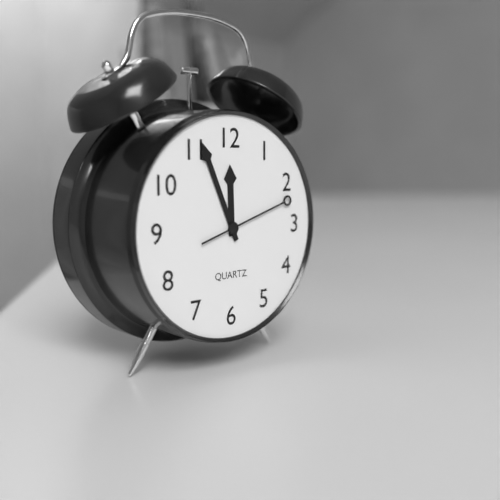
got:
h=11 m=56 s=12
